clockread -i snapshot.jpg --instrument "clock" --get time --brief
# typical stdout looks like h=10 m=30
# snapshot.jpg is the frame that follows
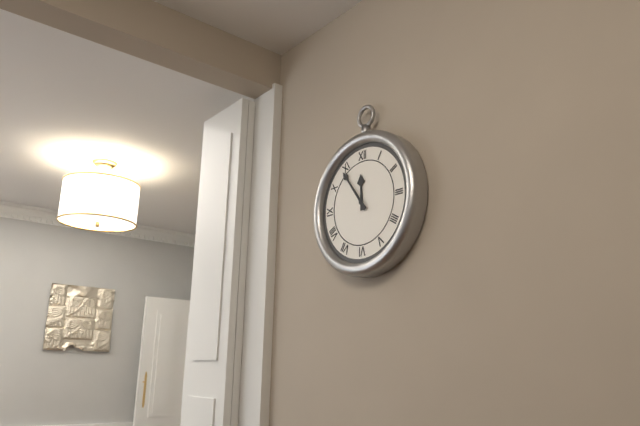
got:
h=11 m=54
